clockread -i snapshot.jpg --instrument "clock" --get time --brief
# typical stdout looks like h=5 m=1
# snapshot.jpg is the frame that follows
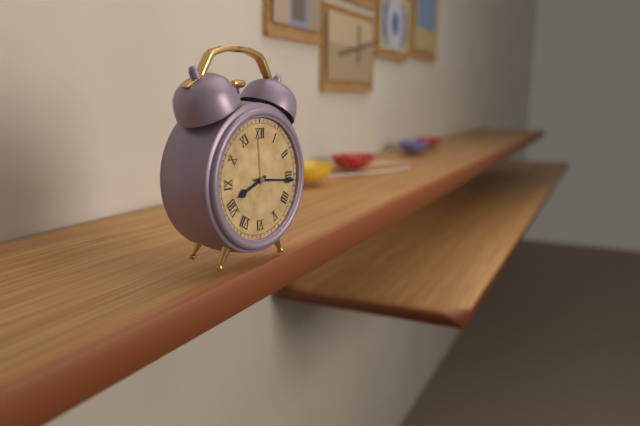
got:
h=8 m=16
